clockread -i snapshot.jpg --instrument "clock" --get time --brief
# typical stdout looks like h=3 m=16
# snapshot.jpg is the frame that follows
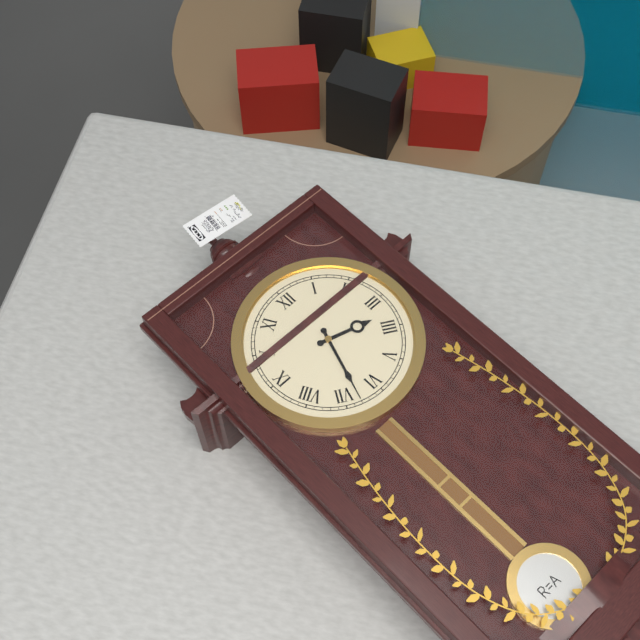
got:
h=3 m=33
